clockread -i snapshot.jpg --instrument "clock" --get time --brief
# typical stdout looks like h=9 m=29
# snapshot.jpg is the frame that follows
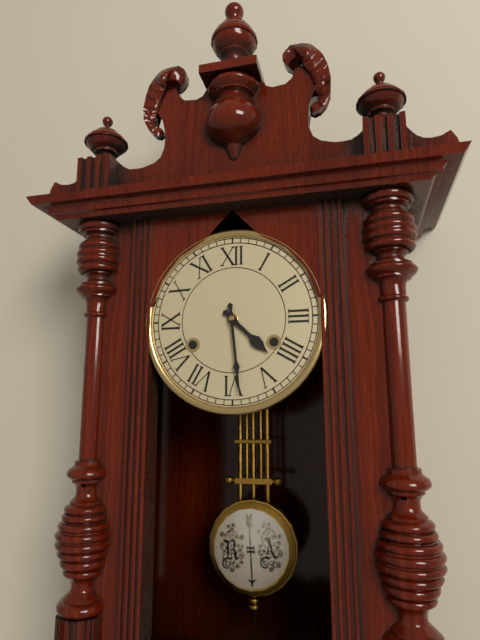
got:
h=4 m=29
